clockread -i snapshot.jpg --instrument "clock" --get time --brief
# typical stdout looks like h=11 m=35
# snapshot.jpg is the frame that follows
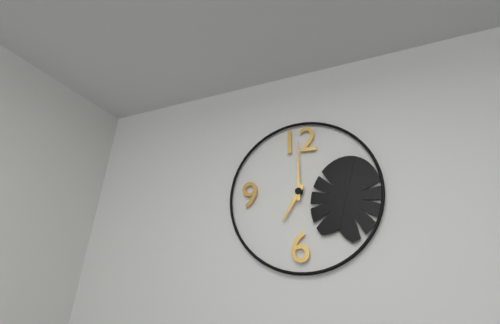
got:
h=7 m=0
